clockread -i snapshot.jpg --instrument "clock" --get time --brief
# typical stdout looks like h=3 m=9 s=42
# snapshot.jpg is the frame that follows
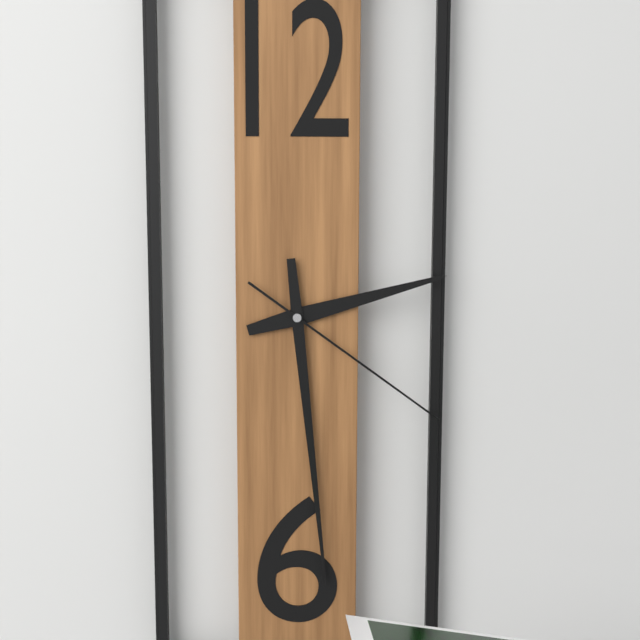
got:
h=2 m=29 s=21
